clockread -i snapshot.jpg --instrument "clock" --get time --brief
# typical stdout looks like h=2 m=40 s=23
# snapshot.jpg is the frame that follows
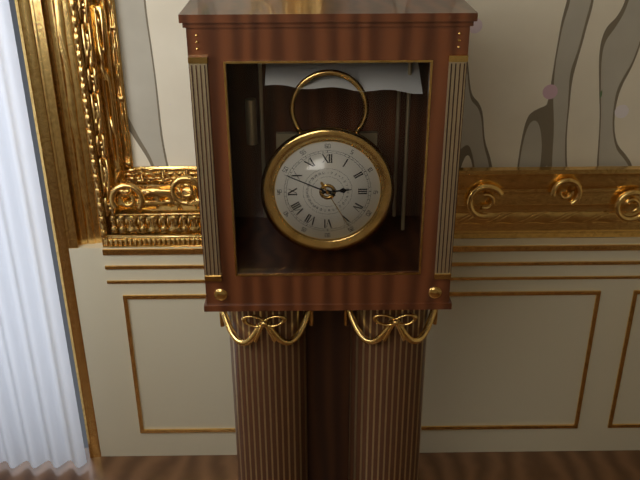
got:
h=2 m=49 s=25
